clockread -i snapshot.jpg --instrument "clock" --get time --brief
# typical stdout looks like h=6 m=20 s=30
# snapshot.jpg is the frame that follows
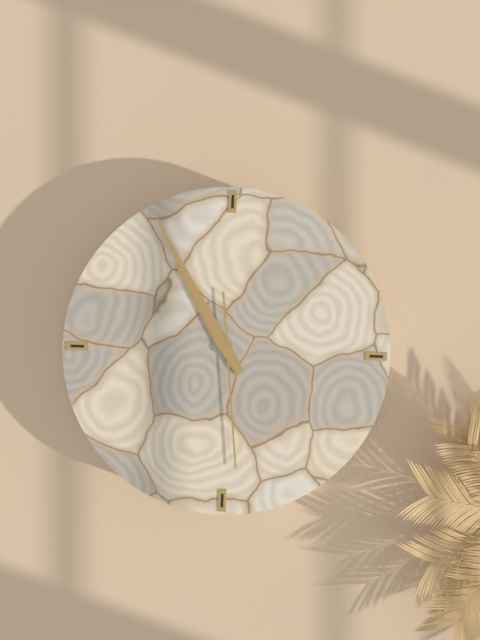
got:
h=10 m=55 s=29
